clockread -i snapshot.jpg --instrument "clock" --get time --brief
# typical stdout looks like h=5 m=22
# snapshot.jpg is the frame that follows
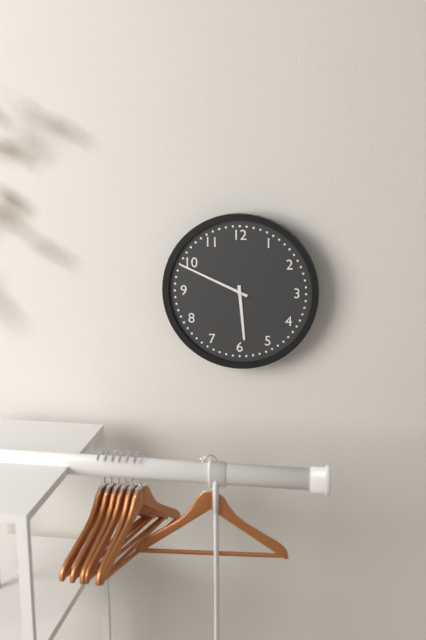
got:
h=5 m=49
